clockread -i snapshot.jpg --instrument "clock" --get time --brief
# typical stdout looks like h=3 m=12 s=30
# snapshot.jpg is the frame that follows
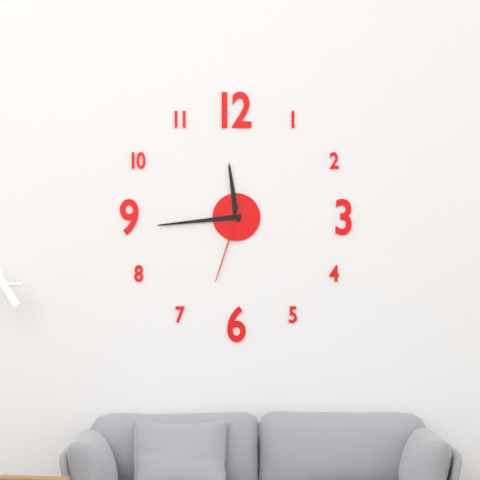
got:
h=11 m=44 s=33
